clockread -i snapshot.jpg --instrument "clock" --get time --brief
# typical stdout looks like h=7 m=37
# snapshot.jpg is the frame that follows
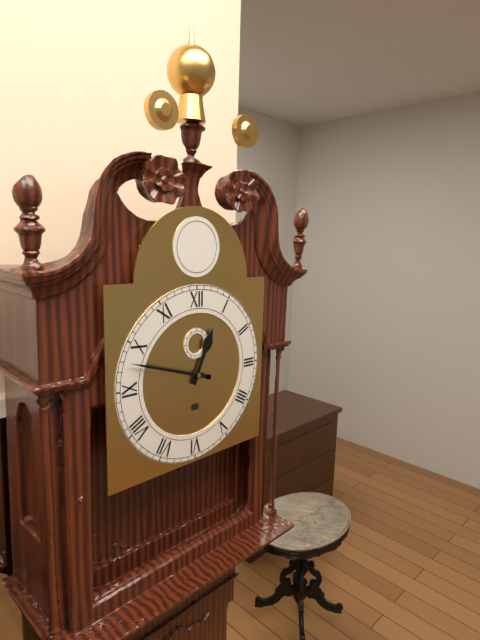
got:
h=12 m=48
